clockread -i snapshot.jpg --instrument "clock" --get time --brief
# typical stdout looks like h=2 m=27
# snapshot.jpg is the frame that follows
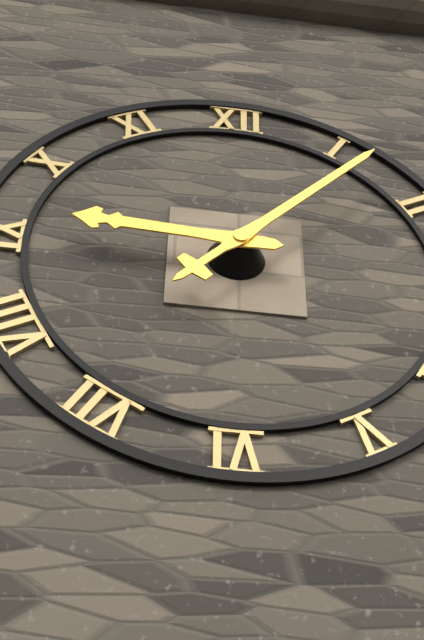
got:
h=9 m=7
